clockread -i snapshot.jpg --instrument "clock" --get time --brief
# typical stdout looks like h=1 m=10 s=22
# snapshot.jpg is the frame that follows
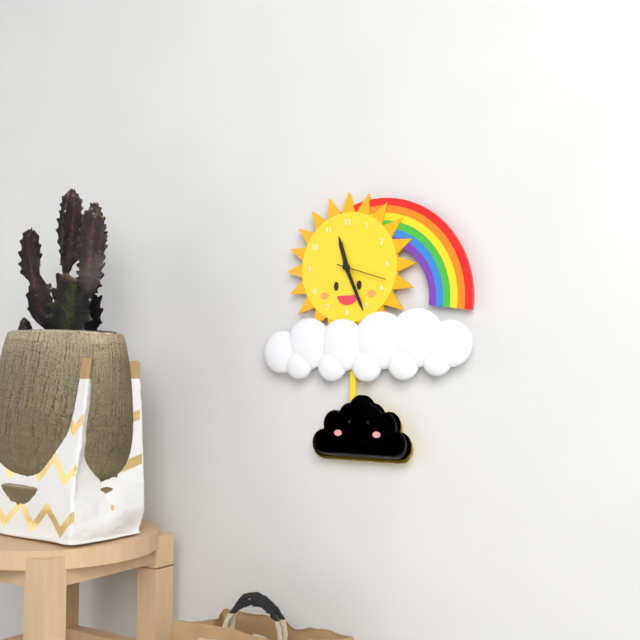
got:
h=11 m=26 s=18
